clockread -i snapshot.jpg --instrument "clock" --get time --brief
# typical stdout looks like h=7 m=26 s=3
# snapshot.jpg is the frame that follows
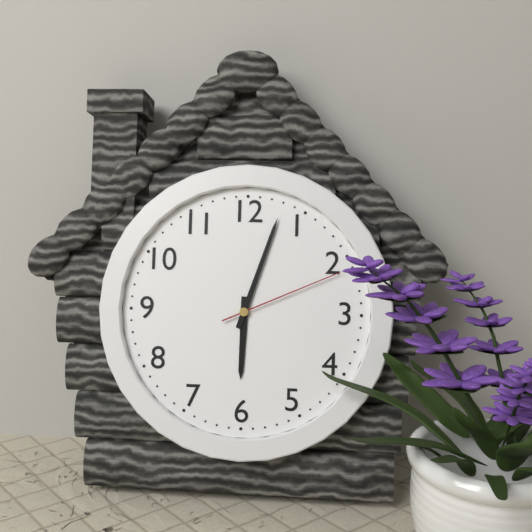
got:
h=6 m=3 s=11
